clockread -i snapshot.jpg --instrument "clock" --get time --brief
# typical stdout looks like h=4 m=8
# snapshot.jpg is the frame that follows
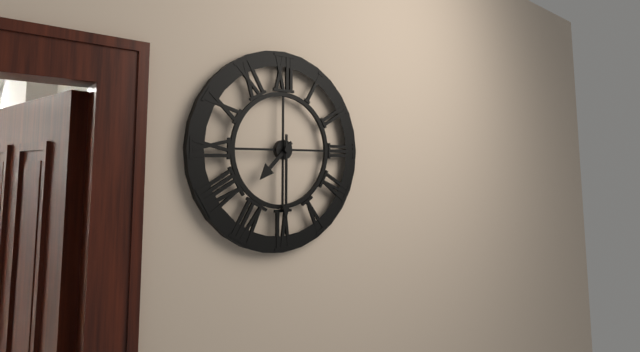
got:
h=7 m=30
